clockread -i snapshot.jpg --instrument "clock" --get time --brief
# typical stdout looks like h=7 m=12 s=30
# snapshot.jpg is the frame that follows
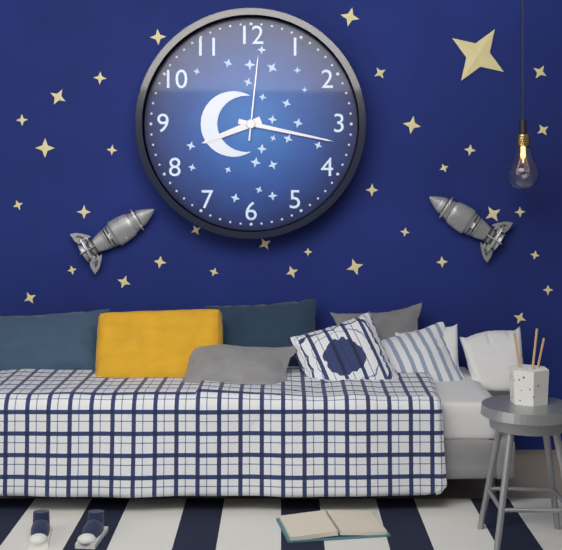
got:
h=8 m=17 s=1
